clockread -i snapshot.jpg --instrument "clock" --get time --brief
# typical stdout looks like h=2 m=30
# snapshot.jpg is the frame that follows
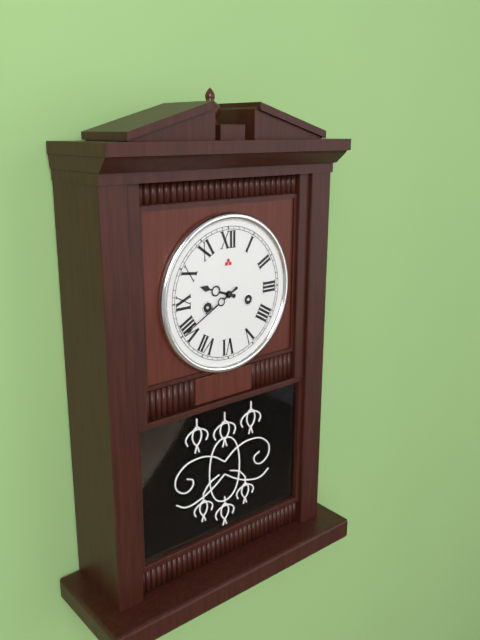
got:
h=9 m=40
